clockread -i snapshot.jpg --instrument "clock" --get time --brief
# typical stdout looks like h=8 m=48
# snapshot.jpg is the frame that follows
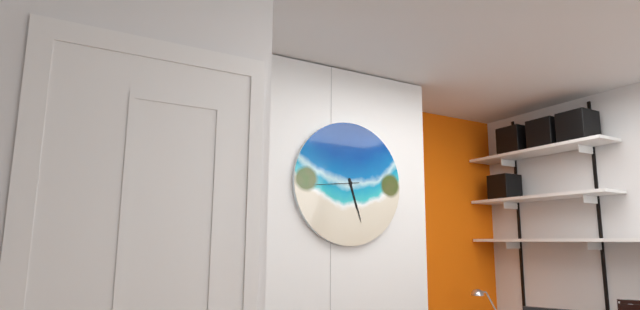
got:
h=5 m=27
